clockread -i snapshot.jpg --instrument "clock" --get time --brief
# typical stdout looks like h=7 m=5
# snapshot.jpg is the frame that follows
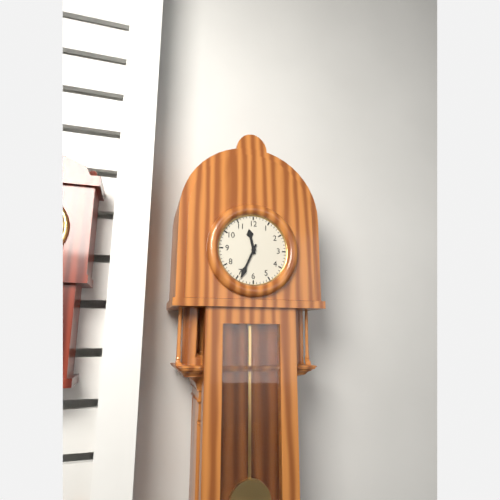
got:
h=11 m=34
